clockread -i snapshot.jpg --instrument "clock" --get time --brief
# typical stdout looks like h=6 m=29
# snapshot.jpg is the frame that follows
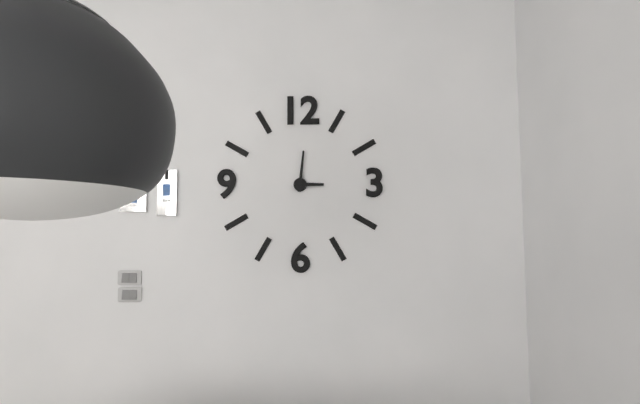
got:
h=3 m=1
